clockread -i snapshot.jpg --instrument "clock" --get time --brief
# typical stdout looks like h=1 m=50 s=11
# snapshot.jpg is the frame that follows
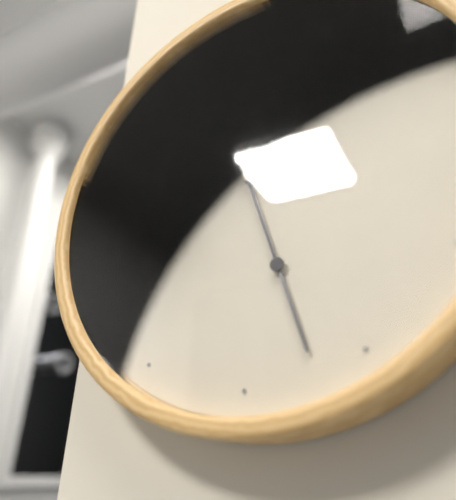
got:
h=10 m=27 s=57
